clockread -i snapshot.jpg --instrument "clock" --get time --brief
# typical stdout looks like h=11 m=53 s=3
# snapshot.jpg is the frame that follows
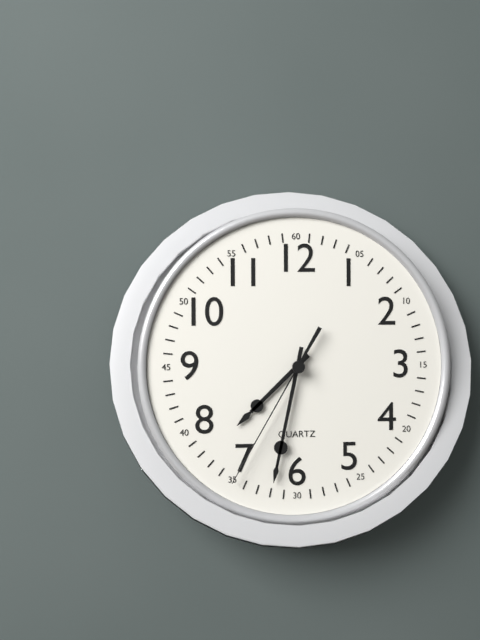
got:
h=7 m=32 s=35
